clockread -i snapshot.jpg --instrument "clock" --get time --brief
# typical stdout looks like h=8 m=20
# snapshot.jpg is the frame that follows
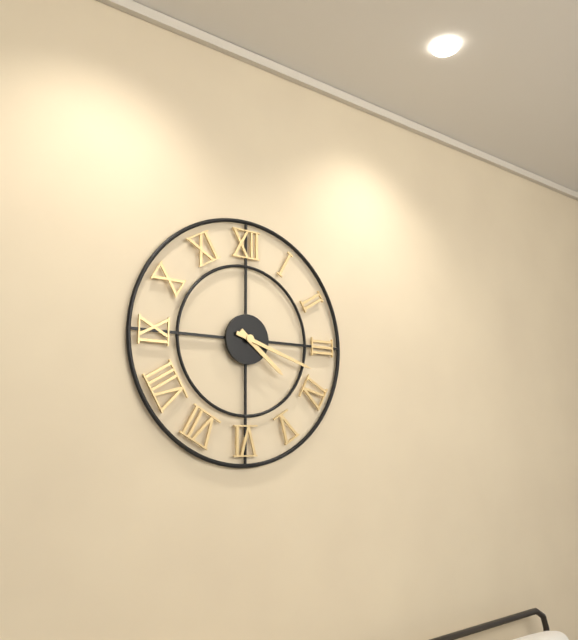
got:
h=4 m=18
